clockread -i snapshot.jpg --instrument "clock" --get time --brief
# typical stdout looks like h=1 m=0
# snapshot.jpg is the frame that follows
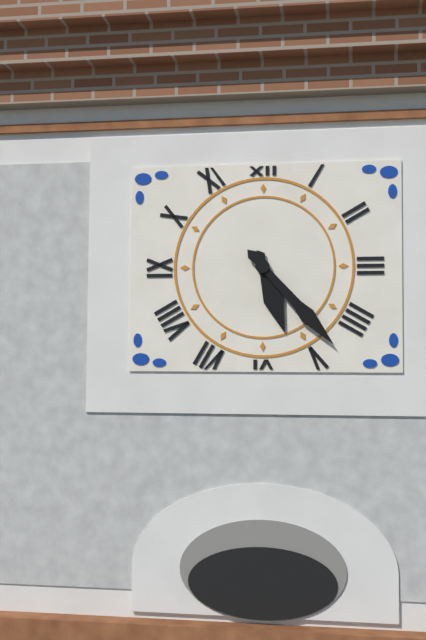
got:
h=5 m=23
